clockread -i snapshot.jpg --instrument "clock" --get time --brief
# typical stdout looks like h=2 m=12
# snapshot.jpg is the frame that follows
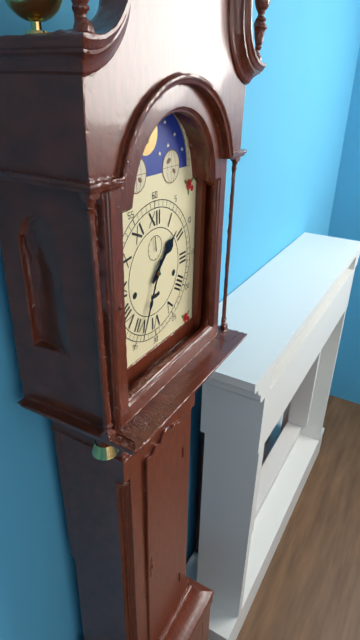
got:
h=1 m=34
